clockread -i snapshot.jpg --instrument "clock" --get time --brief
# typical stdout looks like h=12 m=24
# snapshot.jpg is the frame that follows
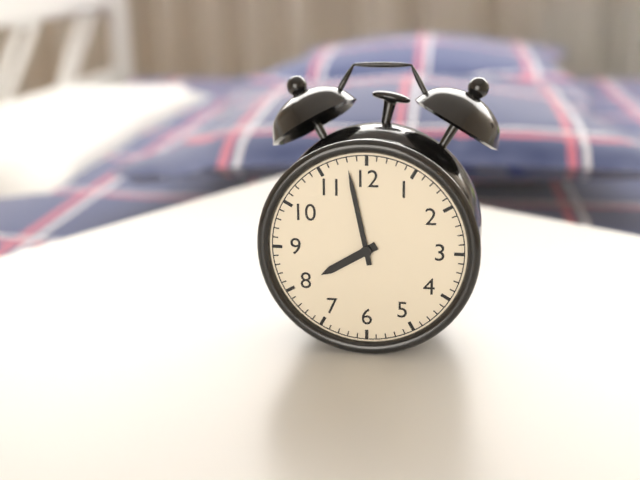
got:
h=7 m=58
